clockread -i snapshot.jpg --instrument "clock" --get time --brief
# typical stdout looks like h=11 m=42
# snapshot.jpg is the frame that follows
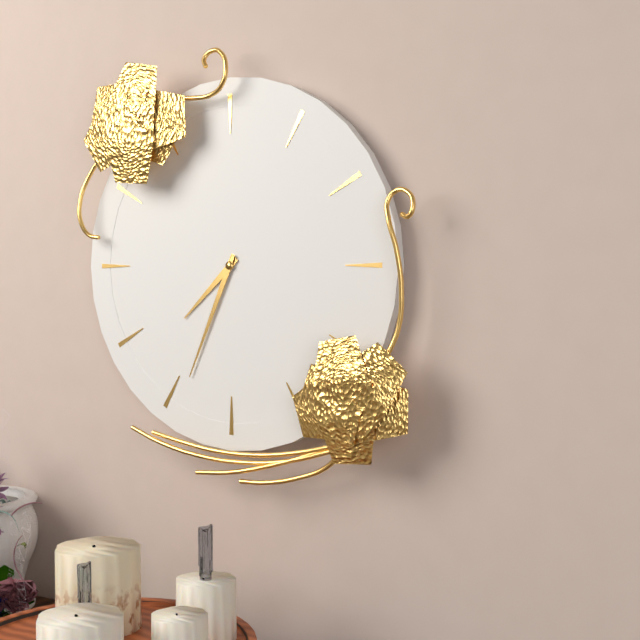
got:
h=7 m=34
